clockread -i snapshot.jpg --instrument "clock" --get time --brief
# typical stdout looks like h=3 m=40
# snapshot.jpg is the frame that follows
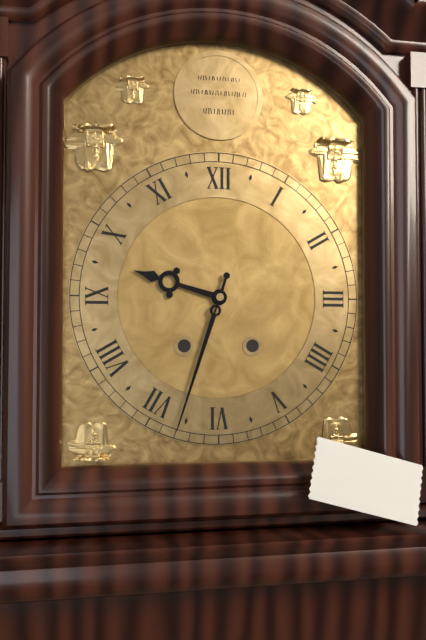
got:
h=9 m=33
